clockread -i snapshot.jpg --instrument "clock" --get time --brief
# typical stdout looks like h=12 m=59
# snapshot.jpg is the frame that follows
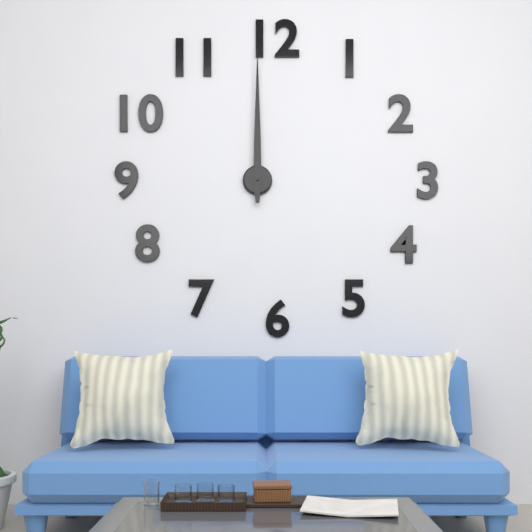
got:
h=12 m=0
